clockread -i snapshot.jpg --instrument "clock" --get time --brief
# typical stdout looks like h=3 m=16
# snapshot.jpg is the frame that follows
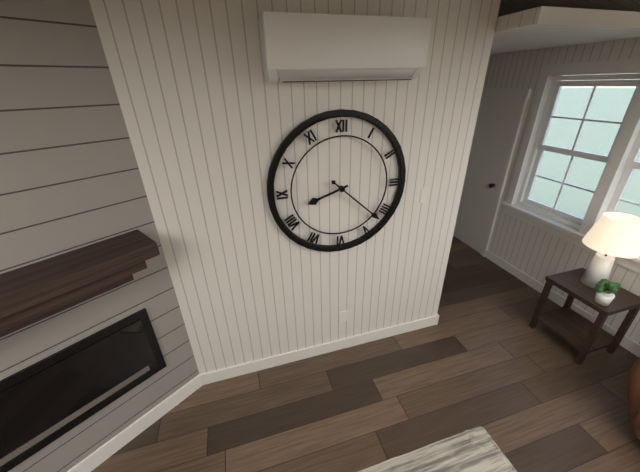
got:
h=8 m=22
